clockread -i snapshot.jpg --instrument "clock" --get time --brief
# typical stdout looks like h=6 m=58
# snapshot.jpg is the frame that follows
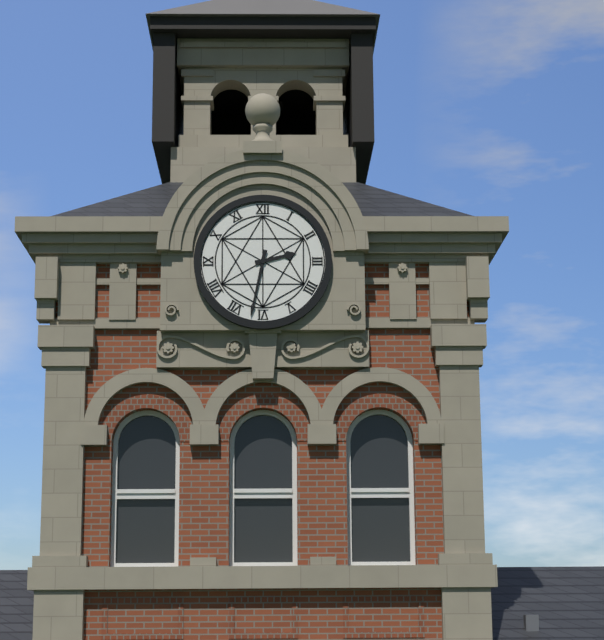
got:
h=2 m=32
